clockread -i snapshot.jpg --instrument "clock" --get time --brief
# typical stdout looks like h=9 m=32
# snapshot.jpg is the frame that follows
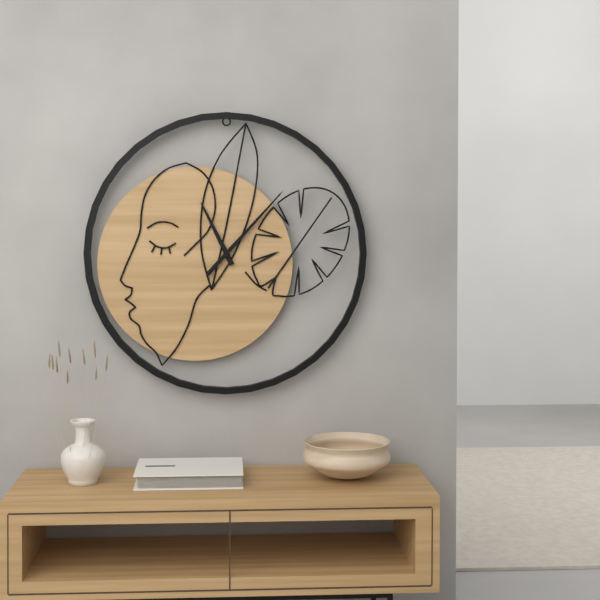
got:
h=11 m=7
